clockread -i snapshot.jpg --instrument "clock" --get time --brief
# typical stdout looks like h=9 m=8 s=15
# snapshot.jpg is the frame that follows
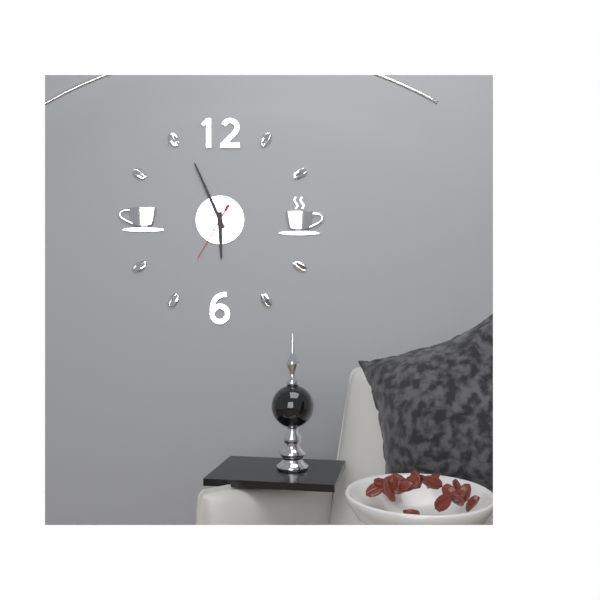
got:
h=5 m=56 s=35
